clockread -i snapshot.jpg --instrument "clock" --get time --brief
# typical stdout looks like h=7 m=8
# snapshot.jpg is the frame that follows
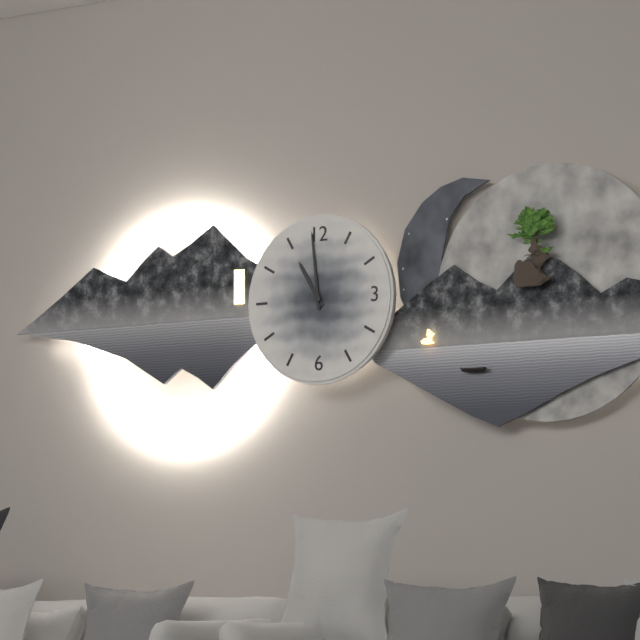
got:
h=10 m=59
